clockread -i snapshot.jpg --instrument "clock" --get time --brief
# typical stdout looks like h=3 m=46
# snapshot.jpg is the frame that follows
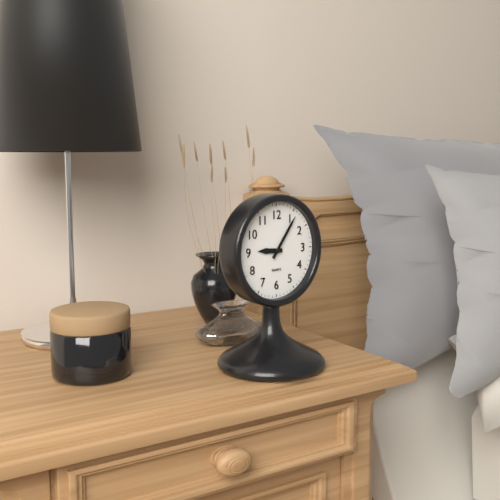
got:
h=9 m=6
